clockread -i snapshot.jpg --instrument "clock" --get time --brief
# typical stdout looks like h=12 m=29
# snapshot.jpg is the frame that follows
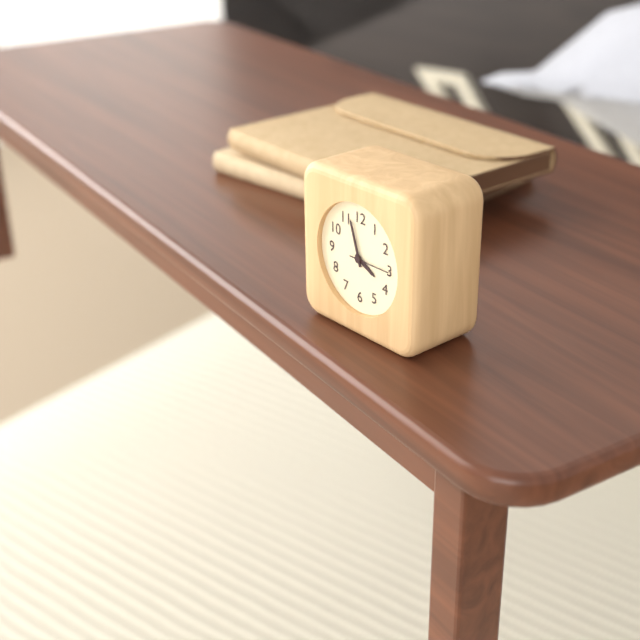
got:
h=3 m=57
